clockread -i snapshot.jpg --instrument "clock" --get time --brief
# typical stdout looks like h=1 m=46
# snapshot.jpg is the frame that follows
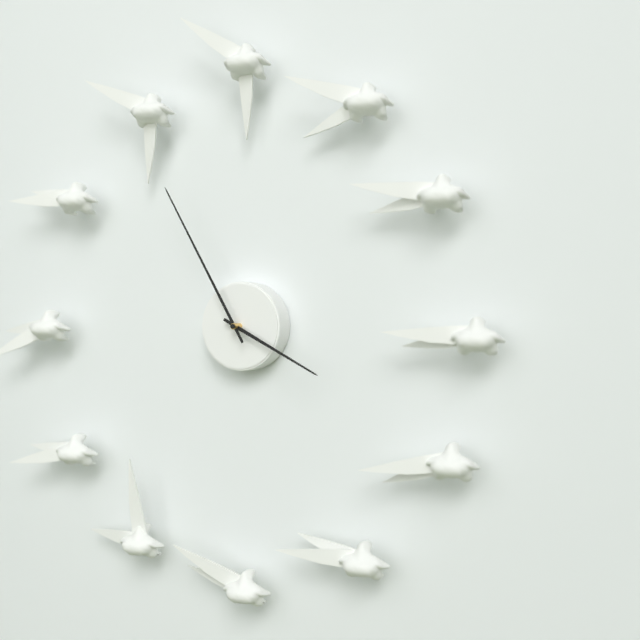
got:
h=3 m=55
